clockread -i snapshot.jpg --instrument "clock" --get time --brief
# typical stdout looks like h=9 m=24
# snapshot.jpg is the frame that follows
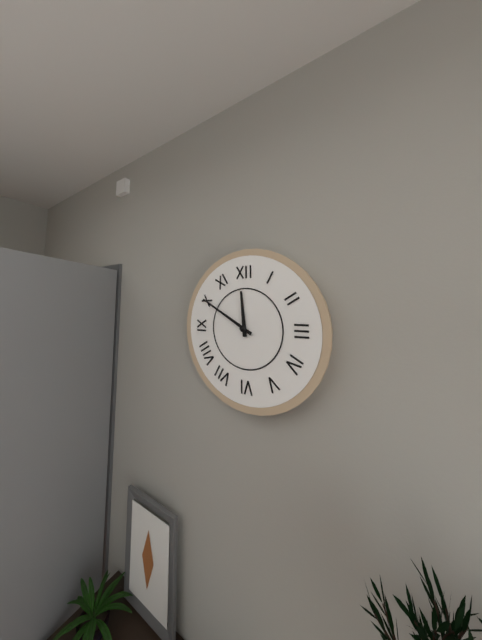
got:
h=11 m=50
